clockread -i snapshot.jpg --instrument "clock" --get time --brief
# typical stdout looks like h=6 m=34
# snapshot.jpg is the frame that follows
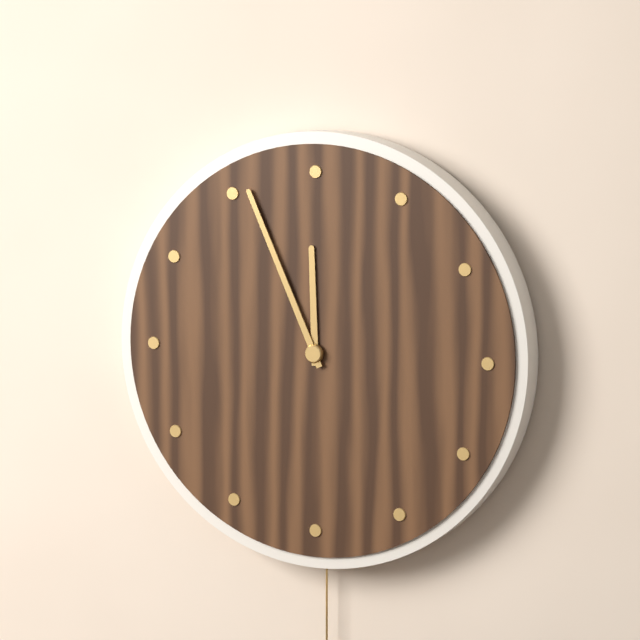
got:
h=11 m=56
